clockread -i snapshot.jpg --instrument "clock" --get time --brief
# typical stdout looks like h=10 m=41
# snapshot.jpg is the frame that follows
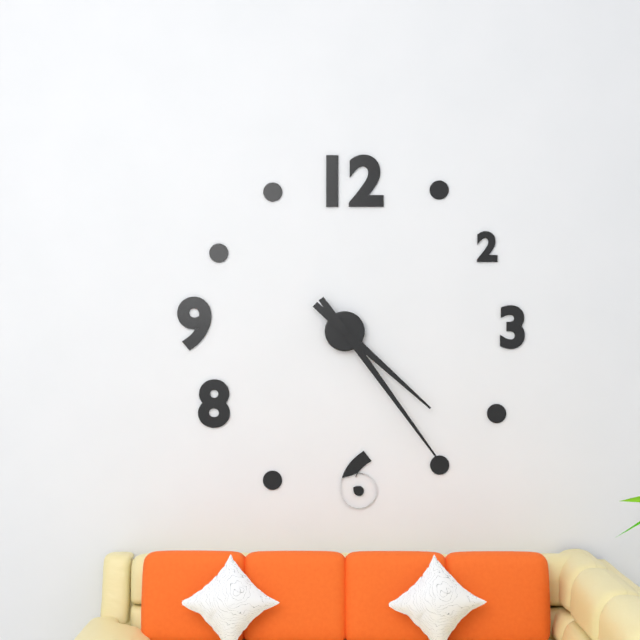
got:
h=4 m=24
